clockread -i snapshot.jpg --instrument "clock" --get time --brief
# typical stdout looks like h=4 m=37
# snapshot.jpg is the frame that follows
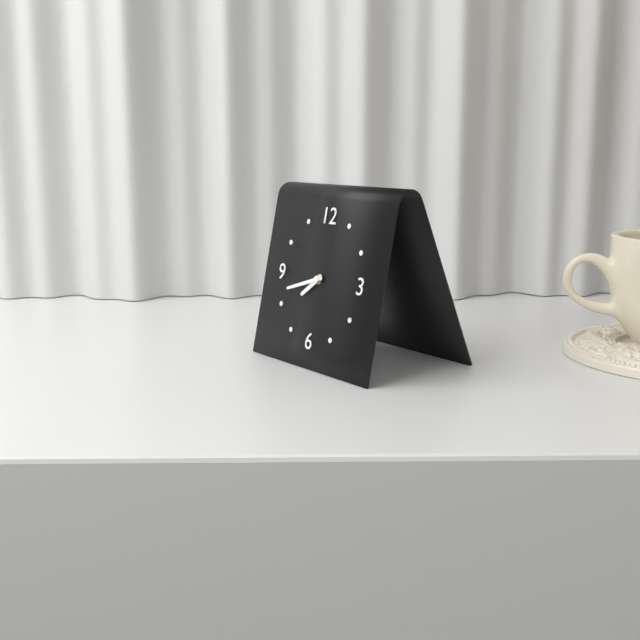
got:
h=7 m=42
